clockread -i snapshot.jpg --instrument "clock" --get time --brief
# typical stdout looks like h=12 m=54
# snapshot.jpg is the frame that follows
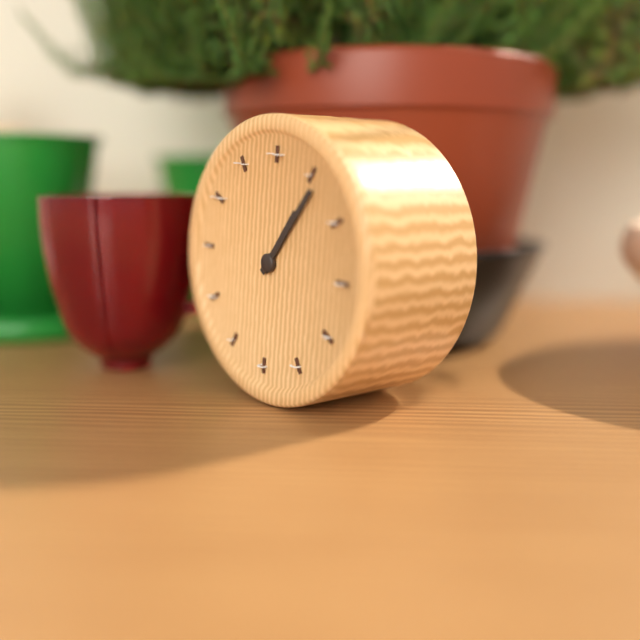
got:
h=1 m=6
